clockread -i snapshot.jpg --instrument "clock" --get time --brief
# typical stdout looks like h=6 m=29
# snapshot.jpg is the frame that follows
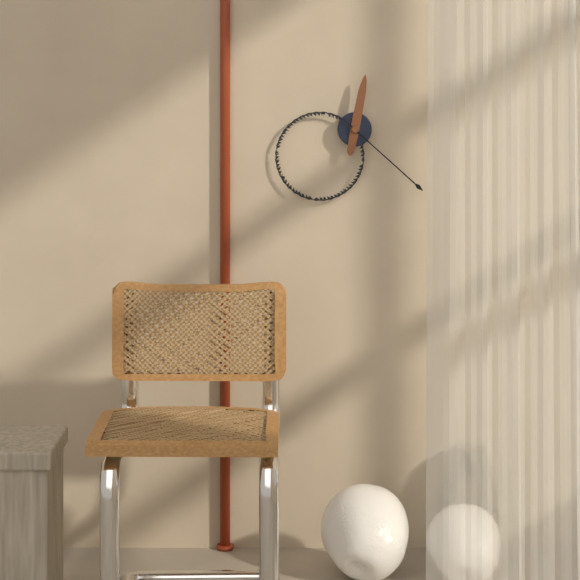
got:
h=12 m=22
